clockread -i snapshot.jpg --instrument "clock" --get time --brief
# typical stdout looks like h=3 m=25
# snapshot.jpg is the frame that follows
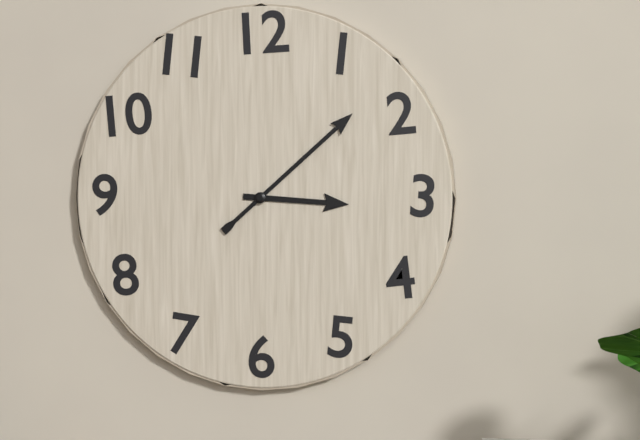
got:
h=3 m=8
